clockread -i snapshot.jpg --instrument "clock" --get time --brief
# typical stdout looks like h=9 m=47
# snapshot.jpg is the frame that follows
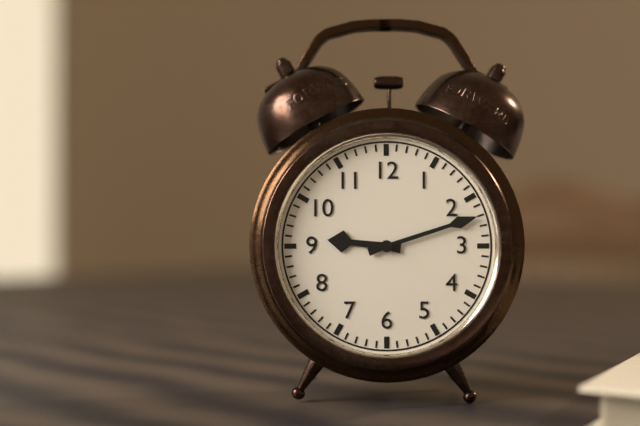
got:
h=9 m=12
